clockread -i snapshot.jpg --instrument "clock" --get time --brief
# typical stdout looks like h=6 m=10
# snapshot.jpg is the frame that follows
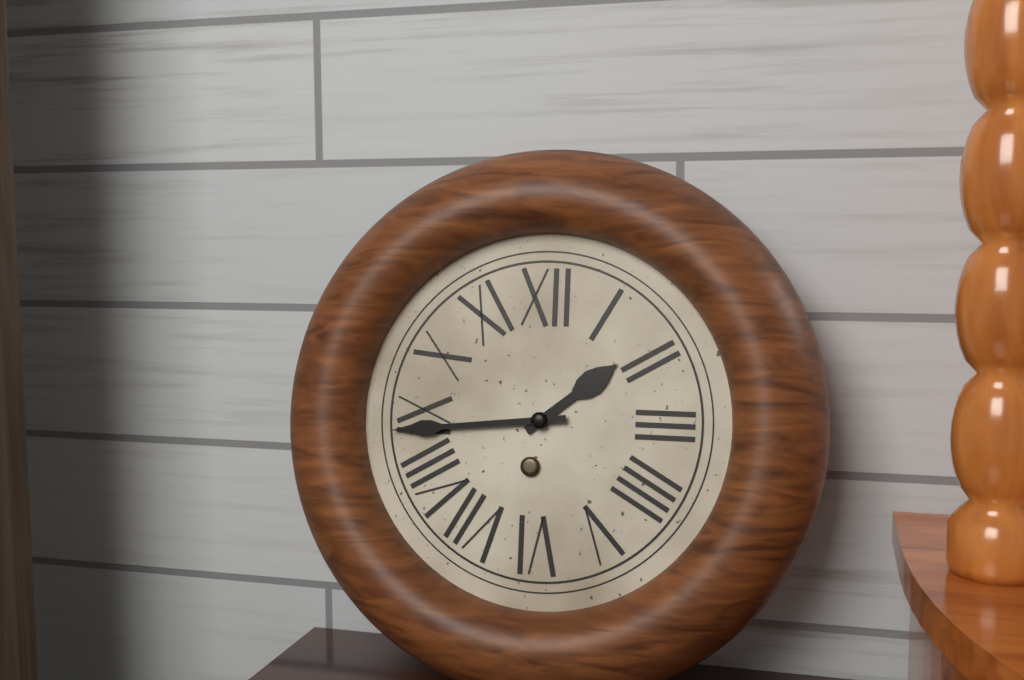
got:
h=1 m=44
